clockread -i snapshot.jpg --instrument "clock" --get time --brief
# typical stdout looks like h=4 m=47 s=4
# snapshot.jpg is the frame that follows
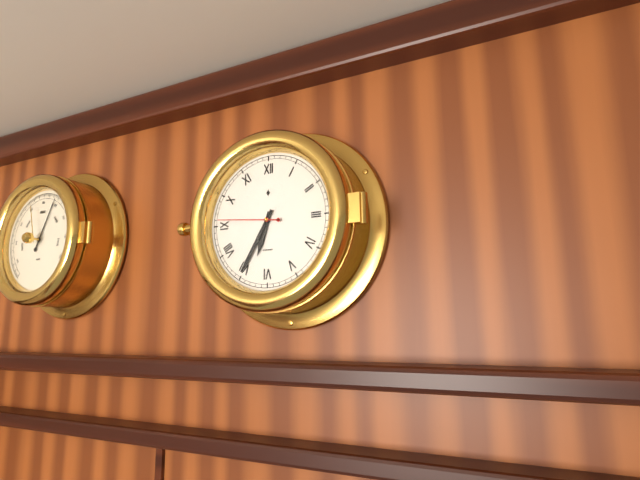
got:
h=6 m=35 s=46
